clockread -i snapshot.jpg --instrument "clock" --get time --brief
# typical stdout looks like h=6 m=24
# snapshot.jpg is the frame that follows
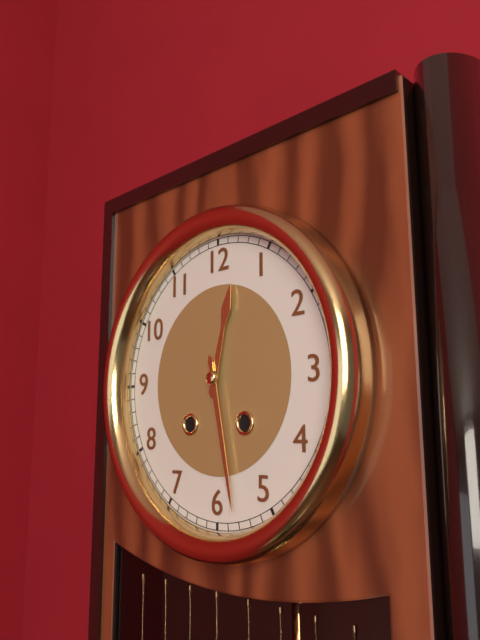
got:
h=12 m=28
